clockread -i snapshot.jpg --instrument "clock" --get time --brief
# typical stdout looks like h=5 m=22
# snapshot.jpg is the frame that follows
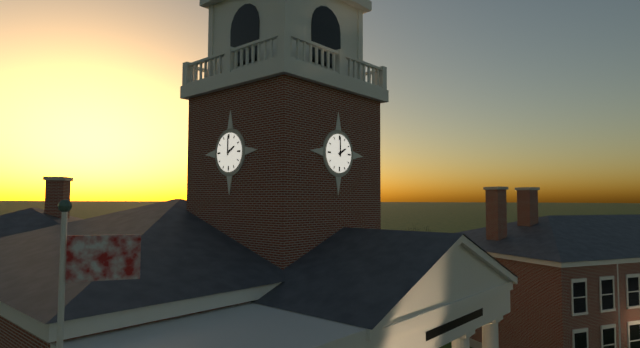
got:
h=2 m=0
